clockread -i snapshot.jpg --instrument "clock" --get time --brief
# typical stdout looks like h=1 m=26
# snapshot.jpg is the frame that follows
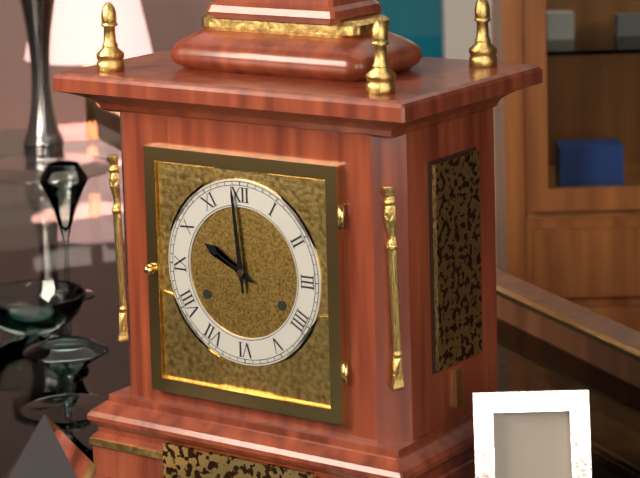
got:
h=9 m=59
